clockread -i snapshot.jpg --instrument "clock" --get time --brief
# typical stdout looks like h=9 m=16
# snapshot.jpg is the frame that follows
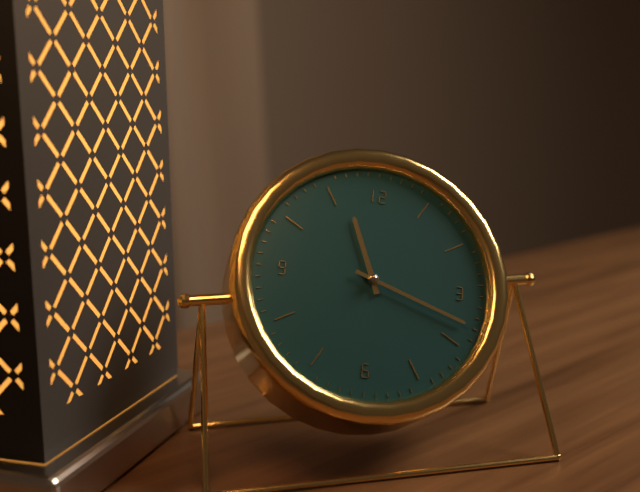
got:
h=11 m=18
